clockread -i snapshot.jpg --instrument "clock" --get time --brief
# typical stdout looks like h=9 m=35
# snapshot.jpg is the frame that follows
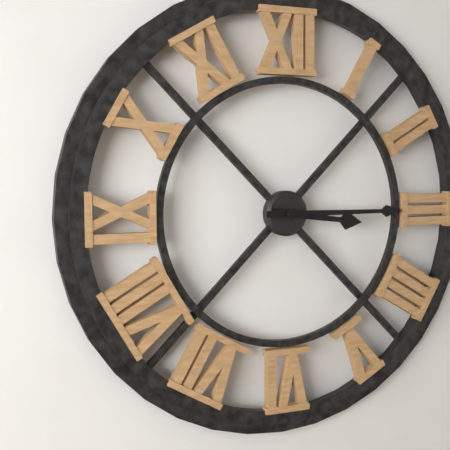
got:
h=3 m=15
